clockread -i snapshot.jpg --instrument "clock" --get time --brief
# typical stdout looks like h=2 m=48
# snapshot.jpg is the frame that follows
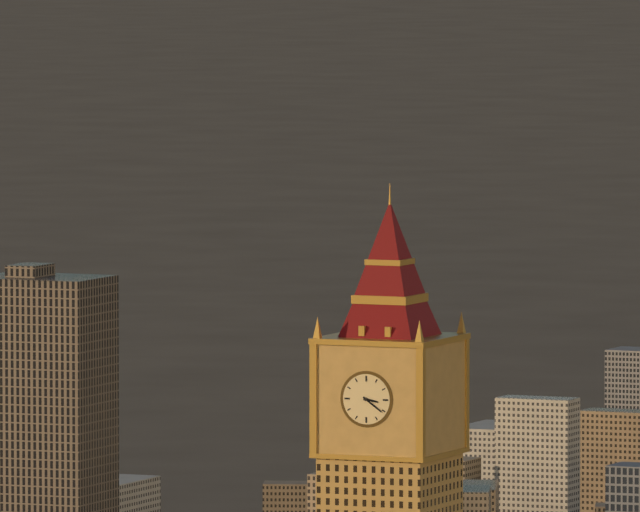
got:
h=3 m=21
